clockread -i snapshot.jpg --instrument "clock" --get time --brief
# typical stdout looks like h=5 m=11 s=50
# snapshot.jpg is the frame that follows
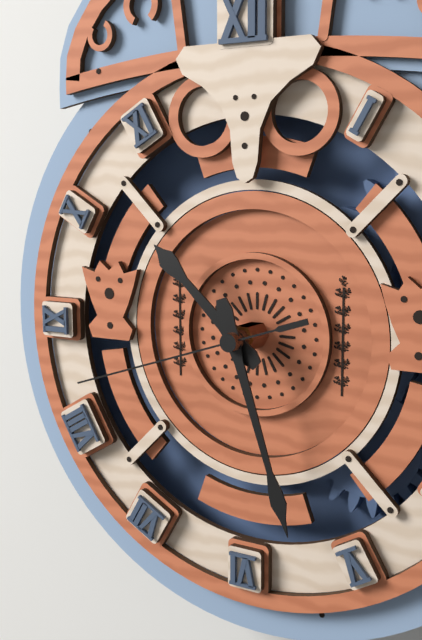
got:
h=10 m=27 s=42
